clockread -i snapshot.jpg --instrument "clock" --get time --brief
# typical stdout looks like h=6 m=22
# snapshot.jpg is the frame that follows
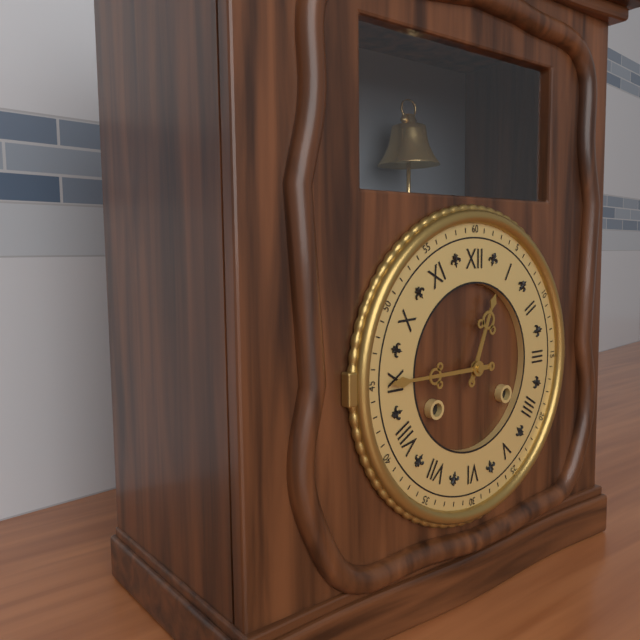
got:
h=12 m=45
